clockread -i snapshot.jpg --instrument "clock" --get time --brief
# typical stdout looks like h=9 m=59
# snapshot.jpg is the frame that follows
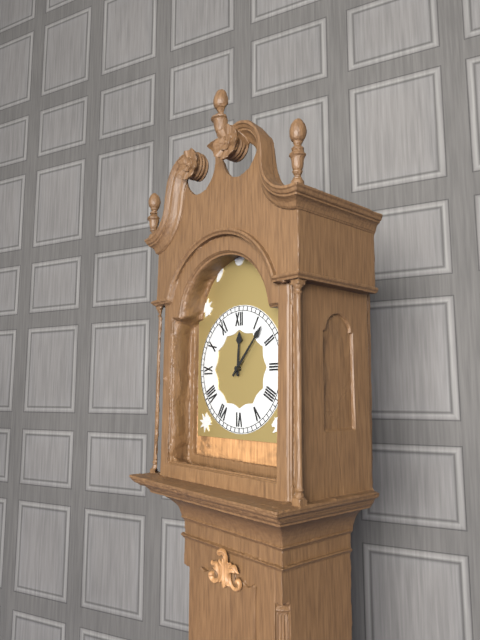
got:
h=12 m=7
